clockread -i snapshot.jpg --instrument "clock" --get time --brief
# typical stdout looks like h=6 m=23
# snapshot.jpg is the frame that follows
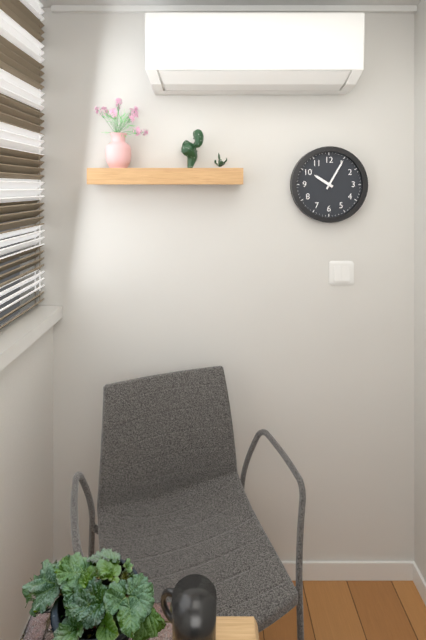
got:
h=10 m=5
